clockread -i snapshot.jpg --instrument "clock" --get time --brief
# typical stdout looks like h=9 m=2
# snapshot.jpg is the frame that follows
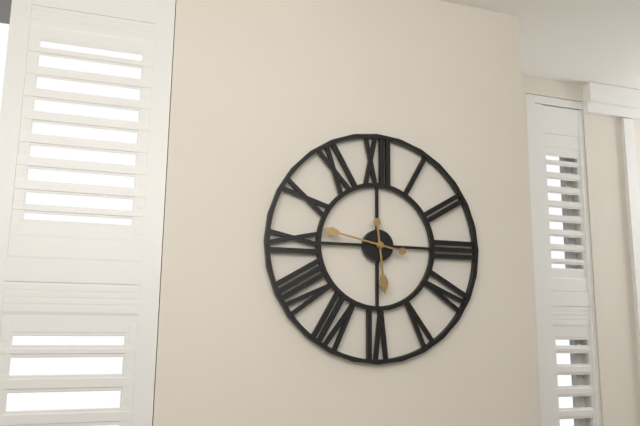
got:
h=5 m=47
